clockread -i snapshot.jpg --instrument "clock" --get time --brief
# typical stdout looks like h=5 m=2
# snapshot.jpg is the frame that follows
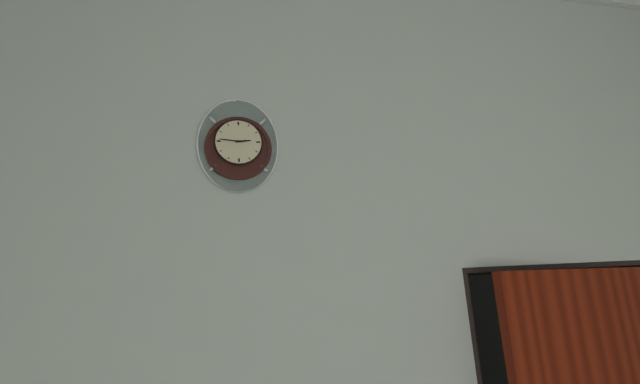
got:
h=2 m=46
